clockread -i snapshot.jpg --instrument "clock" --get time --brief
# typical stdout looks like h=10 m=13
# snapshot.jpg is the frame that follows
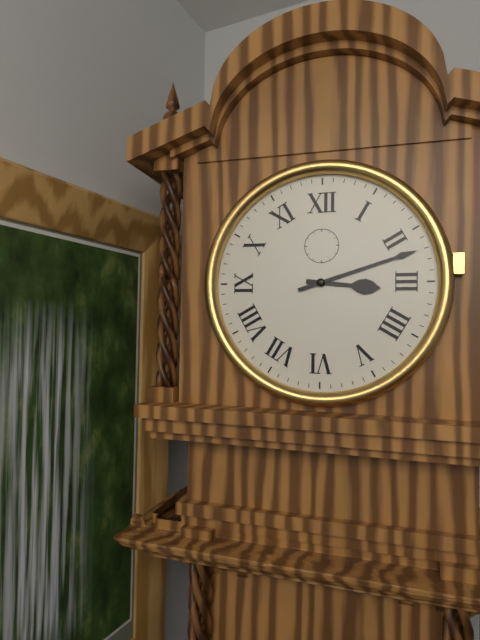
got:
h=3 m=12
